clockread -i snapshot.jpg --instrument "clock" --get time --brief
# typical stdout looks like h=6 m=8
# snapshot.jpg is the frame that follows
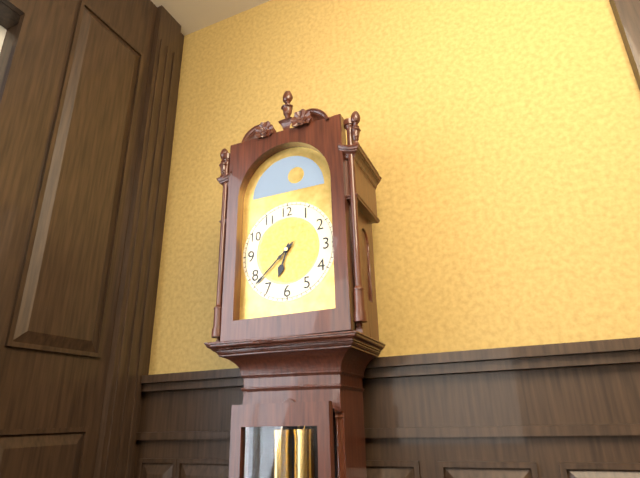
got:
h=6 m=38
